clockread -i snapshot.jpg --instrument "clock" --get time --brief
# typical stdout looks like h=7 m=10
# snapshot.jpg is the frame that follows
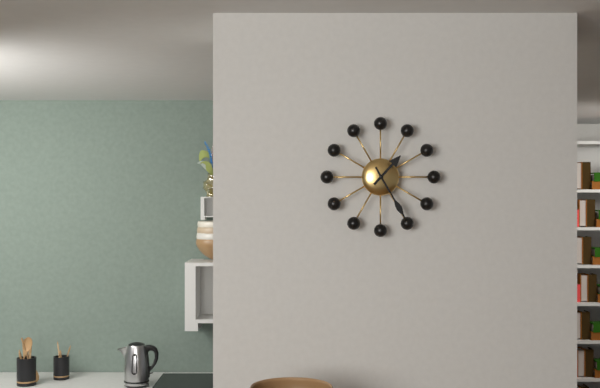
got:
h=1 m=25
